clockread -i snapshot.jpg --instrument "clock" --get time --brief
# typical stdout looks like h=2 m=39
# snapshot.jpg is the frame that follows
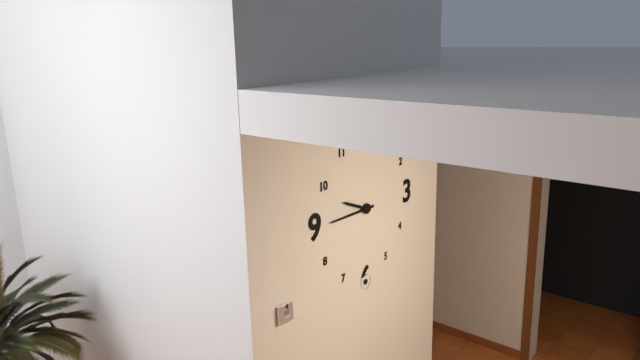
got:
h=9 m=45
